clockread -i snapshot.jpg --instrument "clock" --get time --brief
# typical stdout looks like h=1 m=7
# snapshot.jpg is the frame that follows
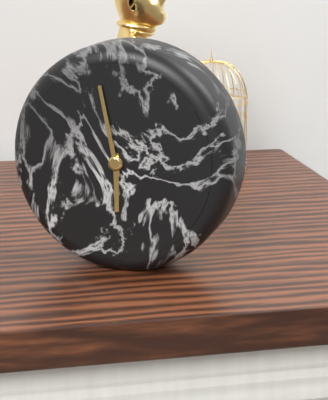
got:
h=5 m=58
